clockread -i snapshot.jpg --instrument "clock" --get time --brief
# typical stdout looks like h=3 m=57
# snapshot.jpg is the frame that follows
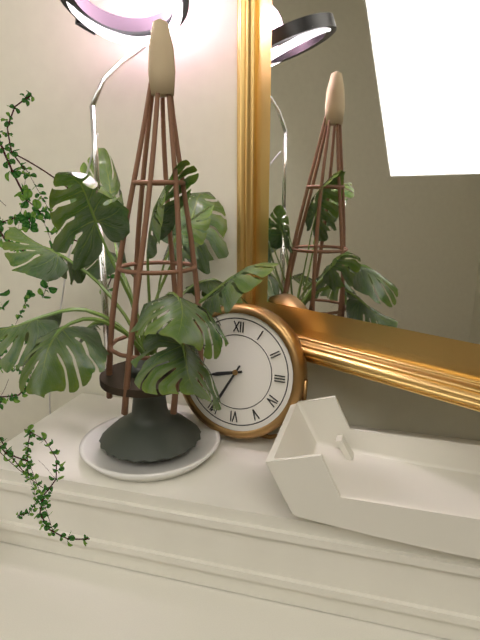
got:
h=8 m=35
